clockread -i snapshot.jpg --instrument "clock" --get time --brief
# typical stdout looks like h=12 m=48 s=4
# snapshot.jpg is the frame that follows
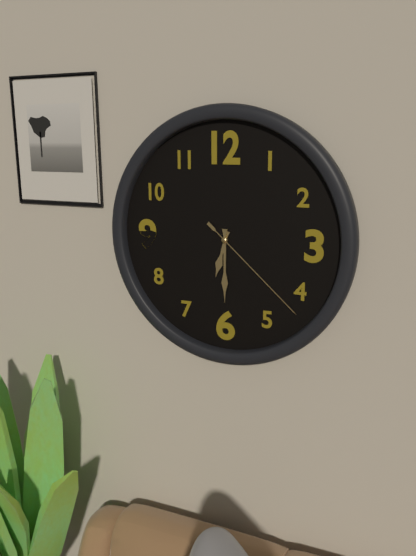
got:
h=6 m=30 s=22
